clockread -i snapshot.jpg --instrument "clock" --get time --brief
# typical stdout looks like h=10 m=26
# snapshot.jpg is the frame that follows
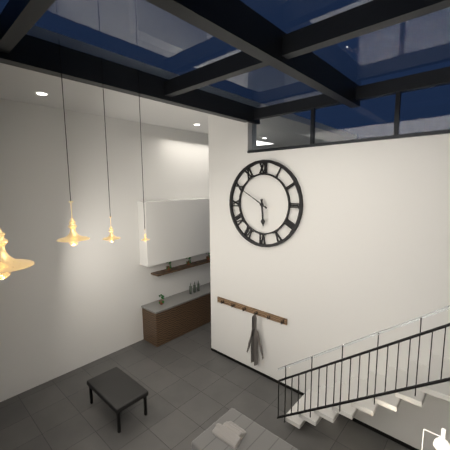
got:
h=5 m=50
